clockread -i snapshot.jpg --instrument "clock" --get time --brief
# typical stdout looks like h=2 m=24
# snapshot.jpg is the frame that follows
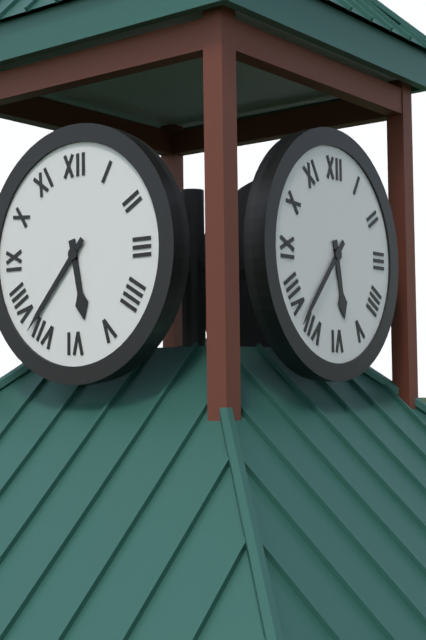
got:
h=5 m=37
